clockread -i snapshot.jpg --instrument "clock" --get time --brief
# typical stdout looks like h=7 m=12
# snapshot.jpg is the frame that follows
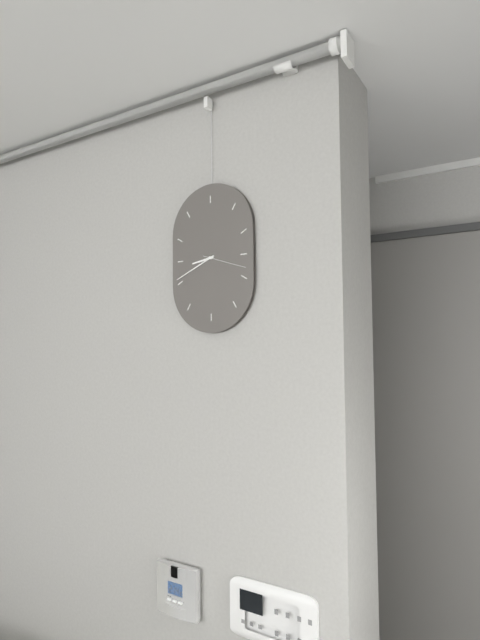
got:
h=8 m=41
